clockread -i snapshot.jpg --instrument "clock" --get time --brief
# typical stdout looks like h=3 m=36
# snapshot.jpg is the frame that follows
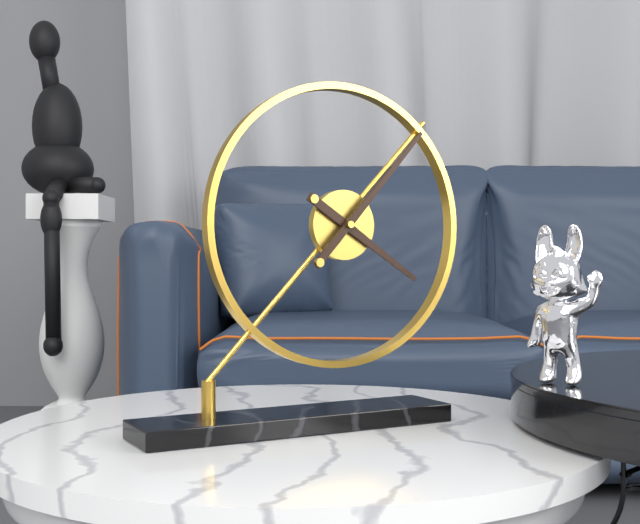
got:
h=4 m=7
